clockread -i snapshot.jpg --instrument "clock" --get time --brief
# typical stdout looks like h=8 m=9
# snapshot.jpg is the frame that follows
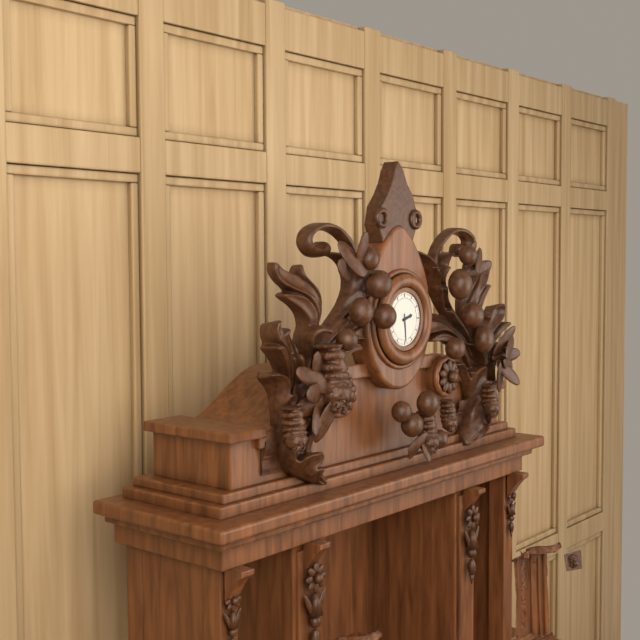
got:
h=2 m=29
